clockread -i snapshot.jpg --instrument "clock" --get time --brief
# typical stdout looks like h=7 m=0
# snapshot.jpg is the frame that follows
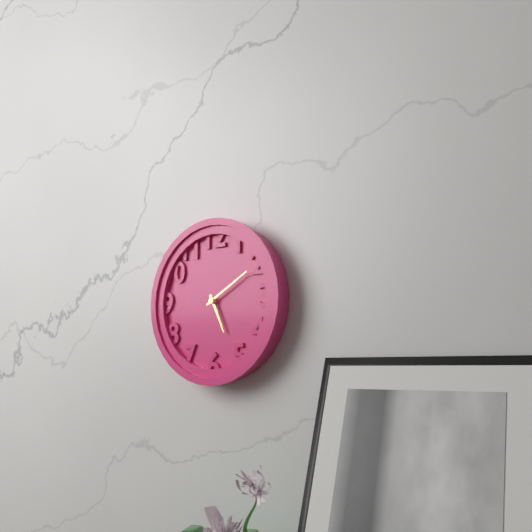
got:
h=5 m=10
